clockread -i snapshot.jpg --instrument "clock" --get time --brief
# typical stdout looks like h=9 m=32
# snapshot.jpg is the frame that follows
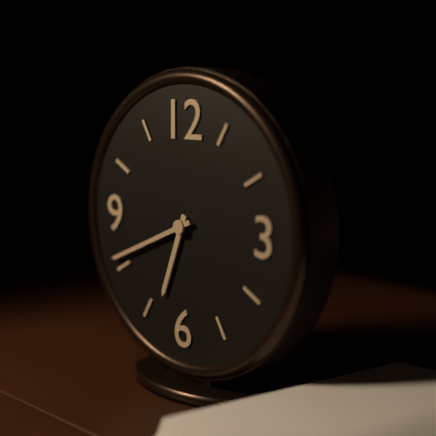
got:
h=6 m=41
